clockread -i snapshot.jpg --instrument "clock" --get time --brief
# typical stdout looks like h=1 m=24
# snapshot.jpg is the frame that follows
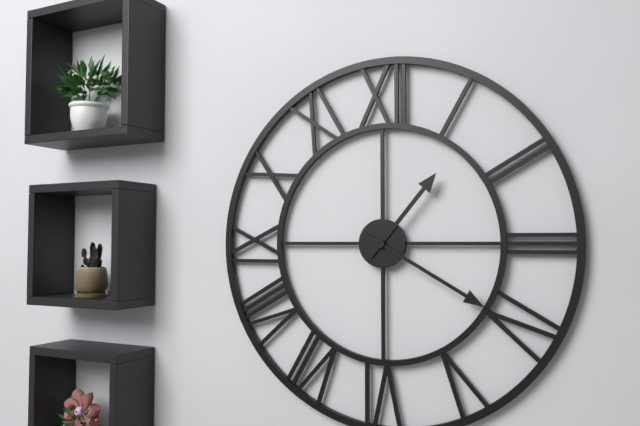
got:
h=1 m=20
